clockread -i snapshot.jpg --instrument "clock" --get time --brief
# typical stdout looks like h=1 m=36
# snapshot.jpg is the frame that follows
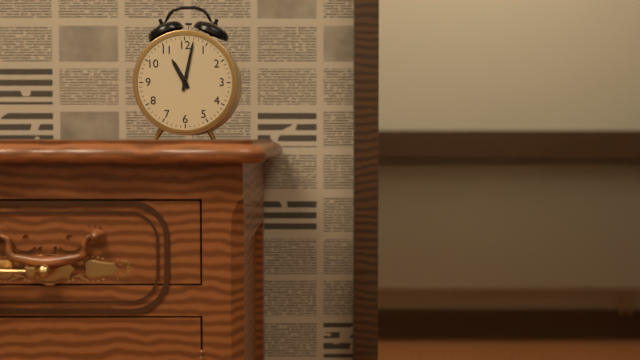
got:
h=11 m=2
